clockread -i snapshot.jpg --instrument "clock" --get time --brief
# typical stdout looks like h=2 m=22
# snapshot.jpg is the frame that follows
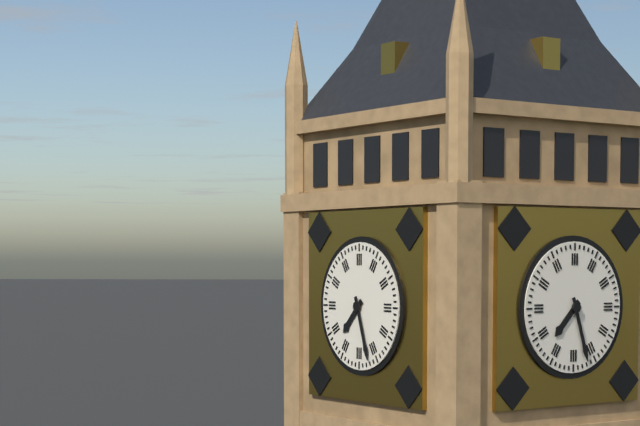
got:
h=7 m=27
